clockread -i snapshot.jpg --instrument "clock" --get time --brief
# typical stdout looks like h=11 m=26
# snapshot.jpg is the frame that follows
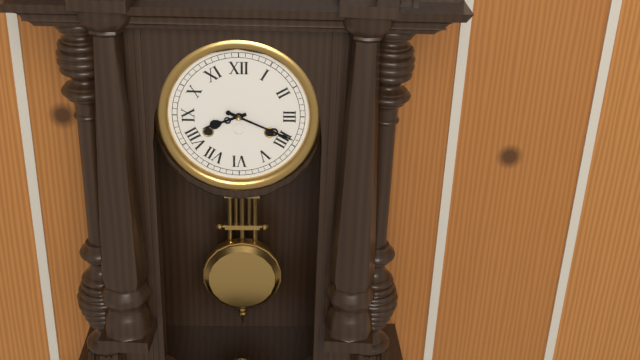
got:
h=8 m=19
